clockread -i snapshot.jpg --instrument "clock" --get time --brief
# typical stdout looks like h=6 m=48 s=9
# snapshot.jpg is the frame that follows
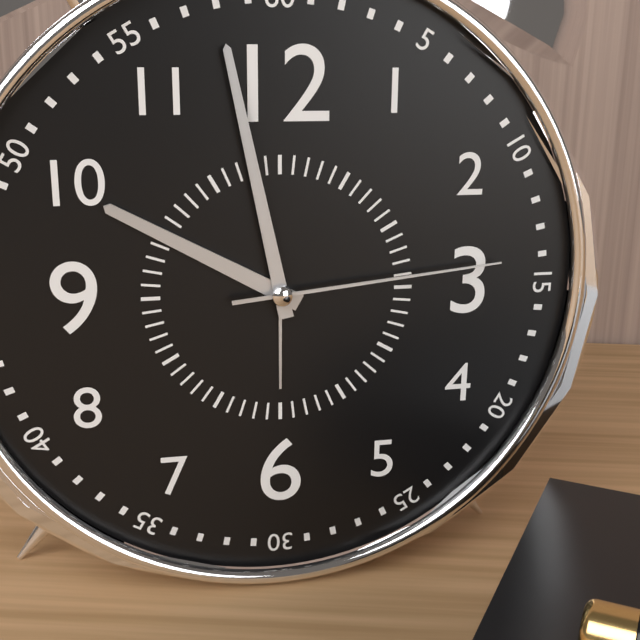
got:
h=9 m=58 s=14
